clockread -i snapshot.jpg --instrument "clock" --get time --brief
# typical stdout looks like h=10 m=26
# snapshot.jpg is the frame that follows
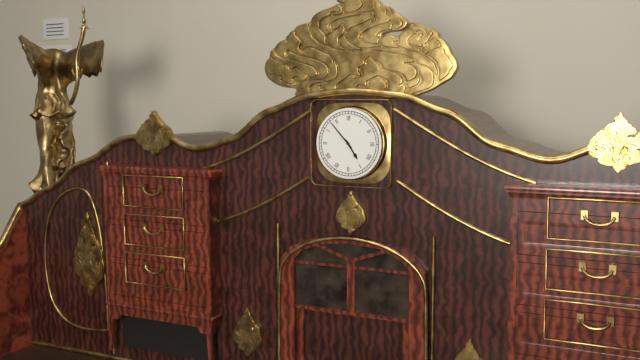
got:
h=4 m=53
